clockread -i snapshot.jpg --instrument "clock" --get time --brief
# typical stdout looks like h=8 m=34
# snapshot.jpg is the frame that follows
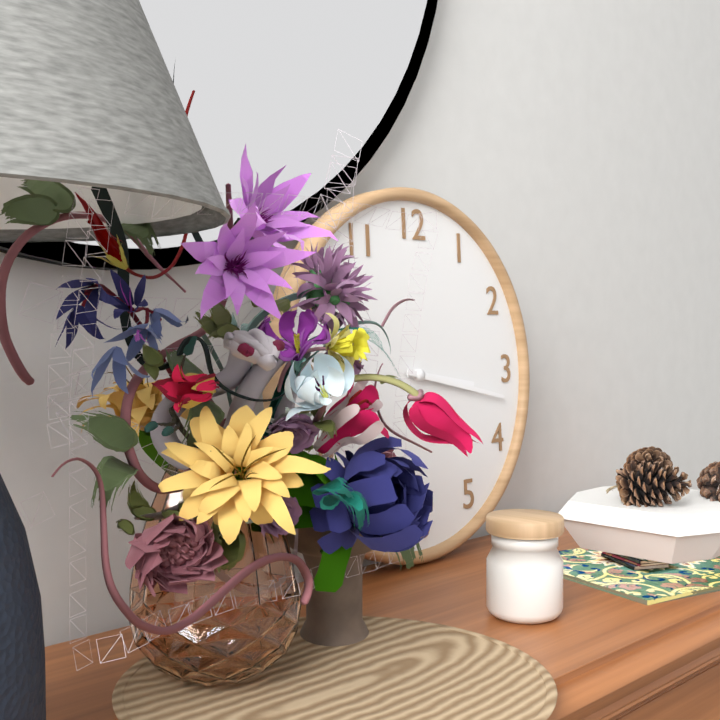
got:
h=3 m=17
